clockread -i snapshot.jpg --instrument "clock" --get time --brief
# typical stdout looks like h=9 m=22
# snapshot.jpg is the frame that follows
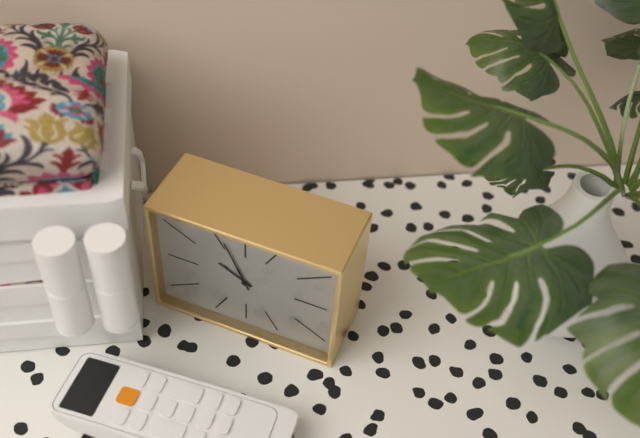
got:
h=9 m=56
